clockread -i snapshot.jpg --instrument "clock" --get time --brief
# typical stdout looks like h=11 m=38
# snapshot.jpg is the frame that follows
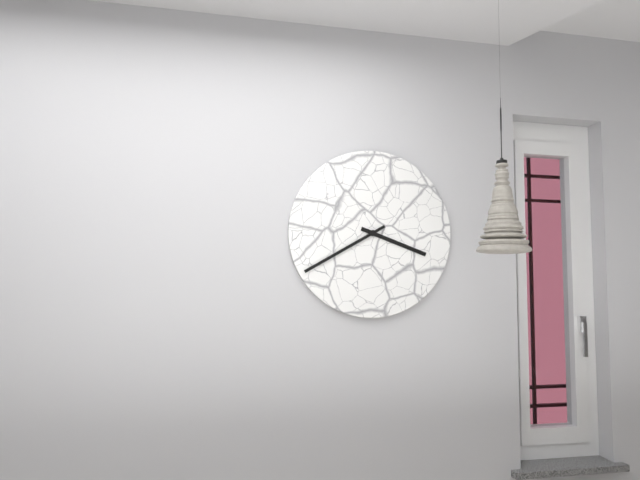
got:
h=3 m=40
